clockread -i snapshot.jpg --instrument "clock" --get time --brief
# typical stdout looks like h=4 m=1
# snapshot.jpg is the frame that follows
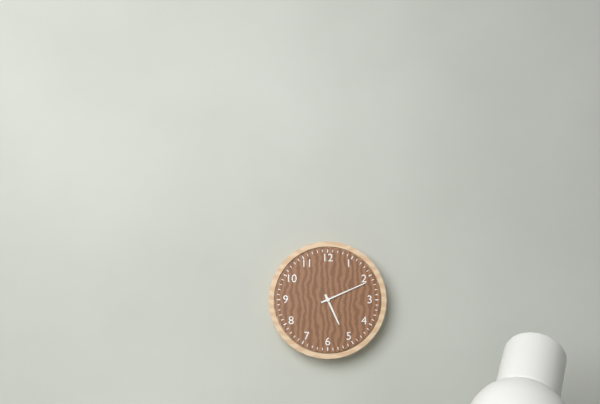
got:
h=5 m=11
